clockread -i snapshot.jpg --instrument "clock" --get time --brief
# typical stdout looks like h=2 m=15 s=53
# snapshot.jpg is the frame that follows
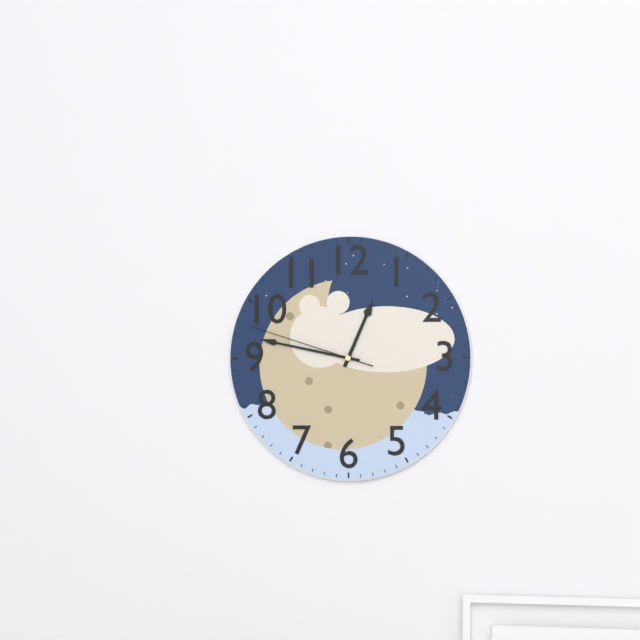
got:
h=12 m=47 s=48
